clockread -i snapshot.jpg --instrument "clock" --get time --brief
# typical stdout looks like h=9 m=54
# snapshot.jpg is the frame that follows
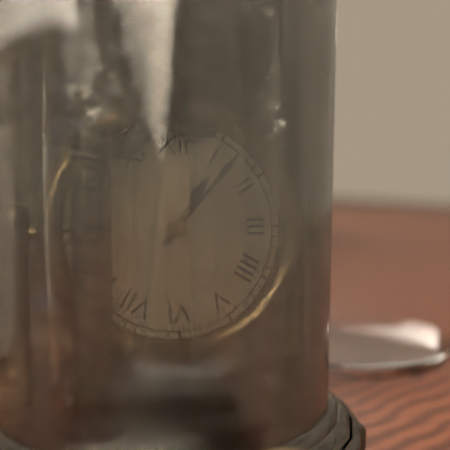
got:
h=1 m=7
